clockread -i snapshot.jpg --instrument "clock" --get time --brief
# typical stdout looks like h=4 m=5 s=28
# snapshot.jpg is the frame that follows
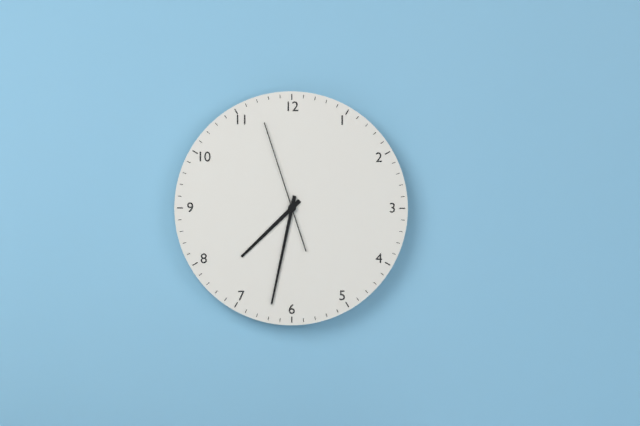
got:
h=7 m=32 s=57
